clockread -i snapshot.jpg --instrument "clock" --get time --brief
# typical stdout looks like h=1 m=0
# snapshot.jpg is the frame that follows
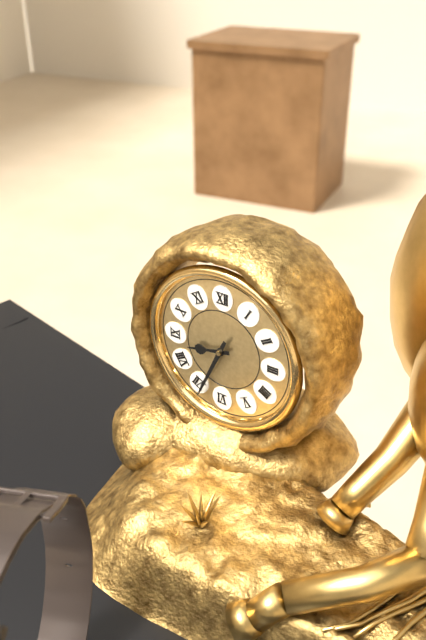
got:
h=8 m=34
